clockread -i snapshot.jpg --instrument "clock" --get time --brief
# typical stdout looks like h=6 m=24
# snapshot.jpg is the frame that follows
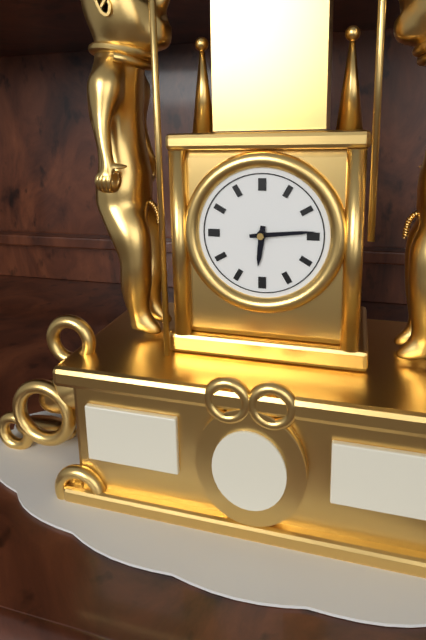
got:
h=6 m=14
